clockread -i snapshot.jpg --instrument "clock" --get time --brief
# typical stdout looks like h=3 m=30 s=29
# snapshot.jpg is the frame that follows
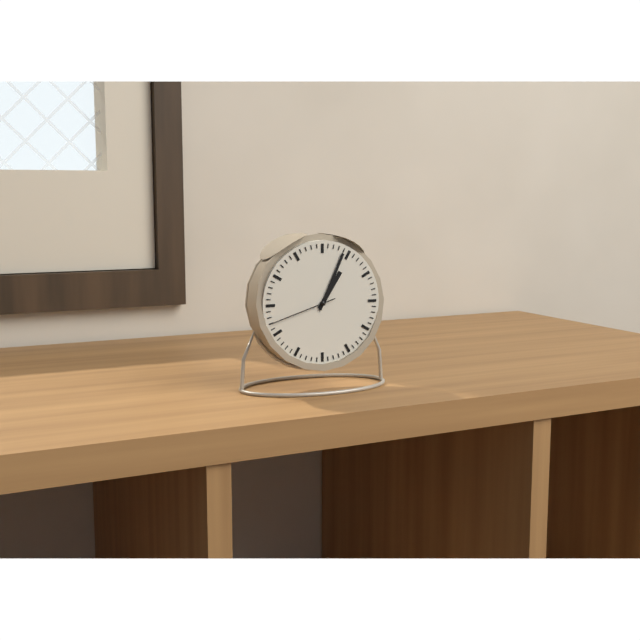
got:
h=1 m=4 s=42
